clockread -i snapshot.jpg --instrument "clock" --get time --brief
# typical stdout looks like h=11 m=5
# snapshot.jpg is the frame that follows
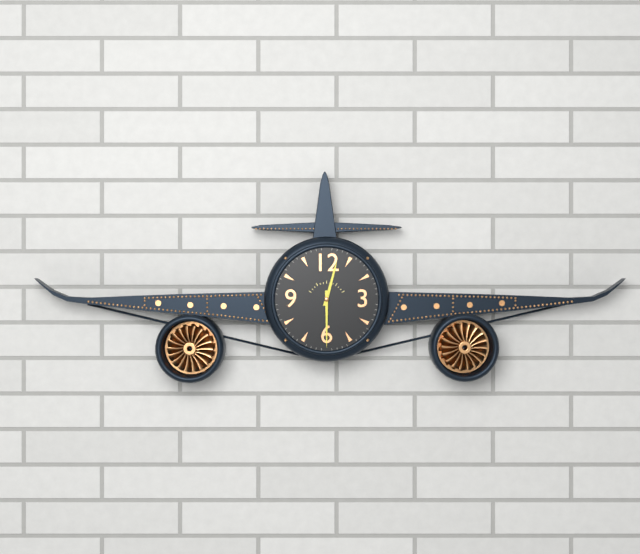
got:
h=12 m=30
